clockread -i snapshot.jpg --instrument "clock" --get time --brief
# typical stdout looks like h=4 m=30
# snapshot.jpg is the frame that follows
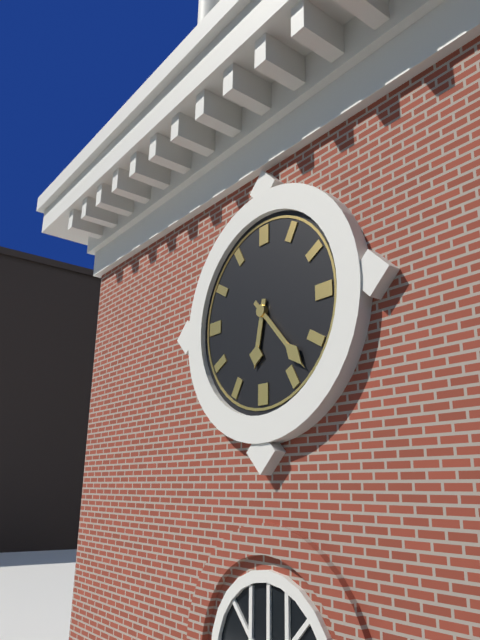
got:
h=6 m=23
